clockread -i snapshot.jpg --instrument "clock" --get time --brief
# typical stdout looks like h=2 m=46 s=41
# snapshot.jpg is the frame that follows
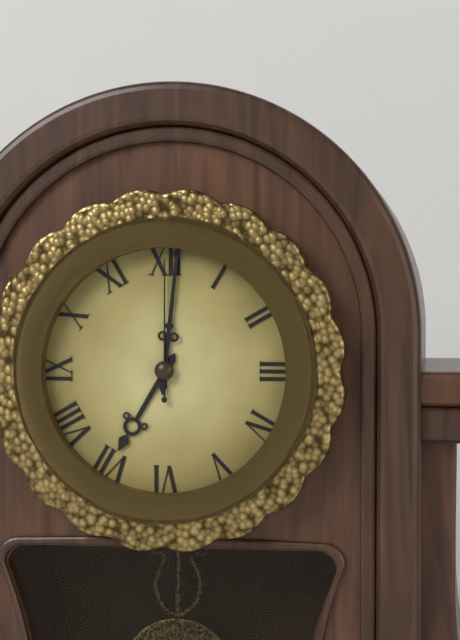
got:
h=7 m=1 s=0
